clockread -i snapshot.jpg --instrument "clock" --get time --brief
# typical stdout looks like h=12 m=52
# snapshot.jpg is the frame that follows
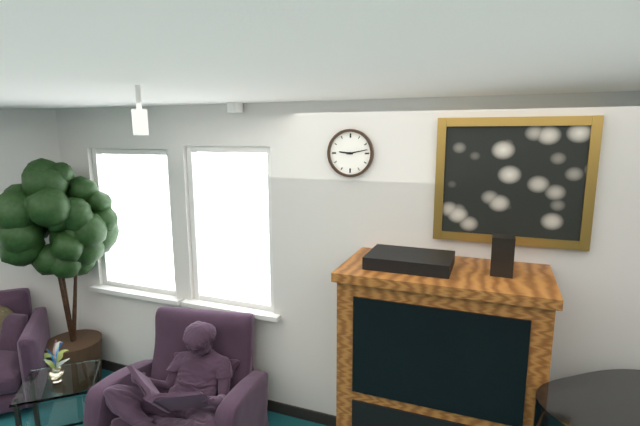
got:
h=9 m=13
